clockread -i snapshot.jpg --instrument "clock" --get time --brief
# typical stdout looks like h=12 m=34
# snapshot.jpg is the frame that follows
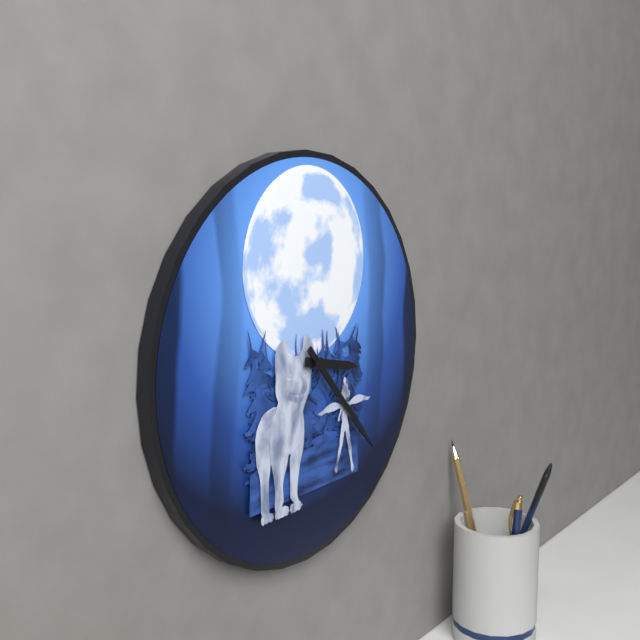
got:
h=3 m=23
